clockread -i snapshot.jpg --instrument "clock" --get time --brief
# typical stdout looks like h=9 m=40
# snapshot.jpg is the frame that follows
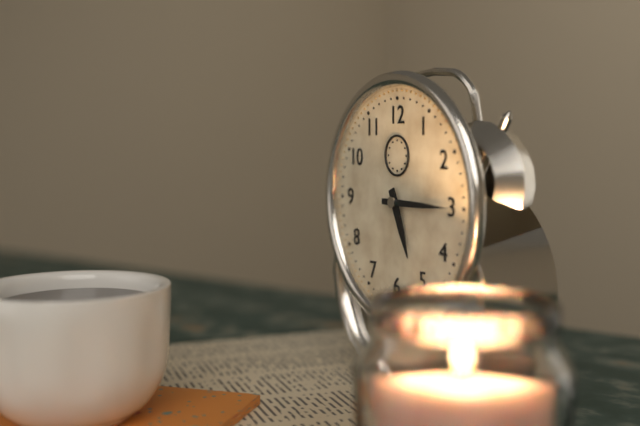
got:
h=5 m=15
